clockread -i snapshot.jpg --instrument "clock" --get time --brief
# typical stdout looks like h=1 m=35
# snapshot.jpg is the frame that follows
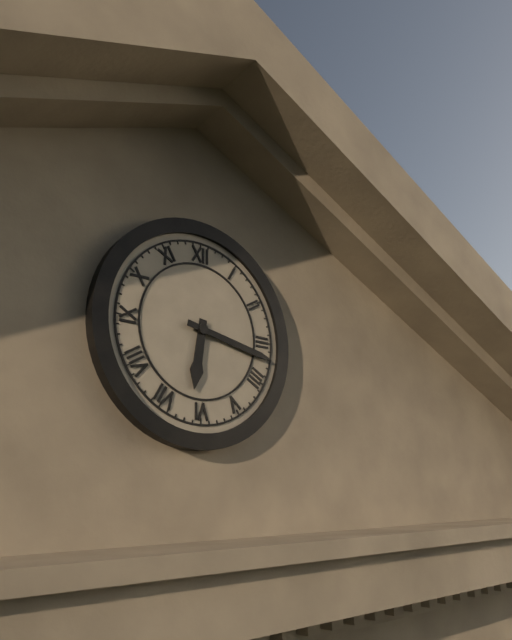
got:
h=6 m=17
